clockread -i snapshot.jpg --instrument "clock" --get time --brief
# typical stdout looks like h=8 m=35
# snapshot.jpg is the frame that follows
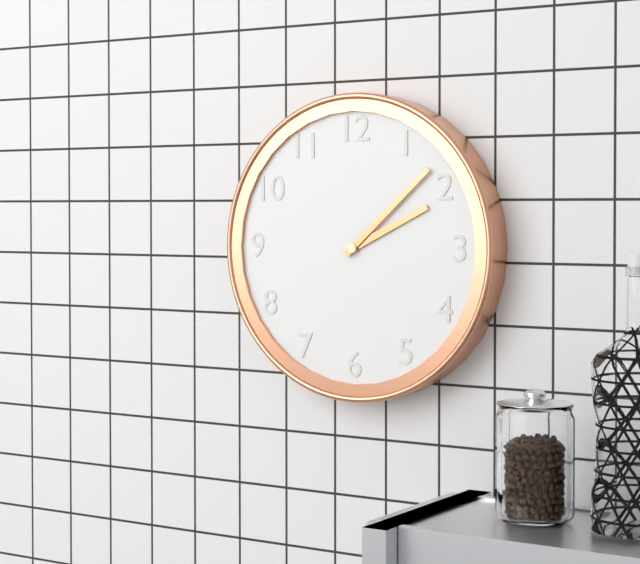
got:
h=2 m=8
